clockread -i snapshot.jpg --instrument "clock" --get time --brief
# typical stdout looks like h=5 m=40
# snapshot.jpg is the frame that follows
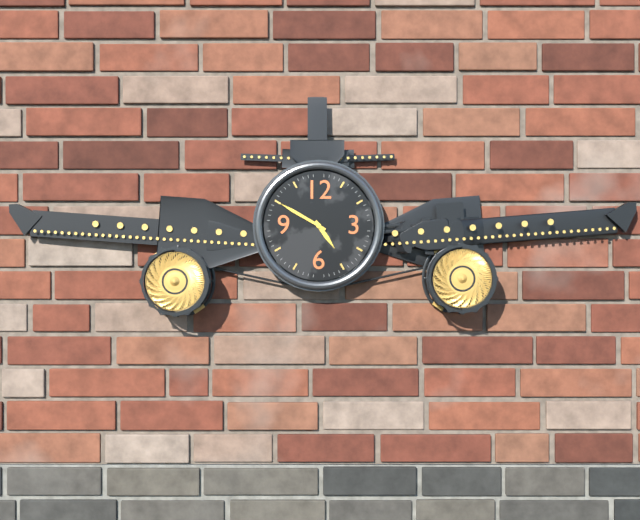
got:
h=4 m=50
